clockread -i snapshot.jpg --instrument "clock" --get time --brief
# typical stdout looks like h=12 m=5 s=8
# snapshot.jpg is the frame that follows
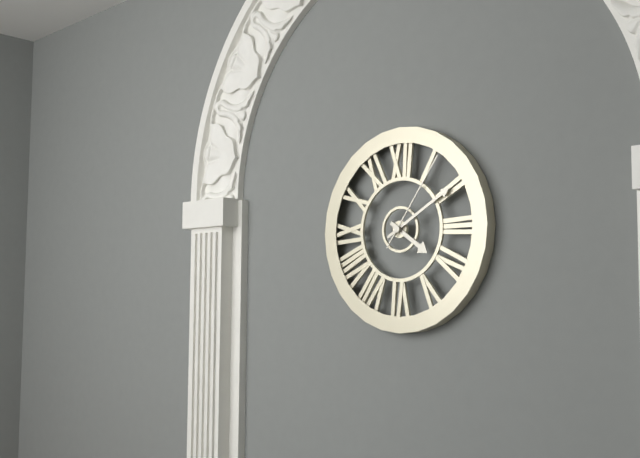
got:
h=4 m=10 s=6
